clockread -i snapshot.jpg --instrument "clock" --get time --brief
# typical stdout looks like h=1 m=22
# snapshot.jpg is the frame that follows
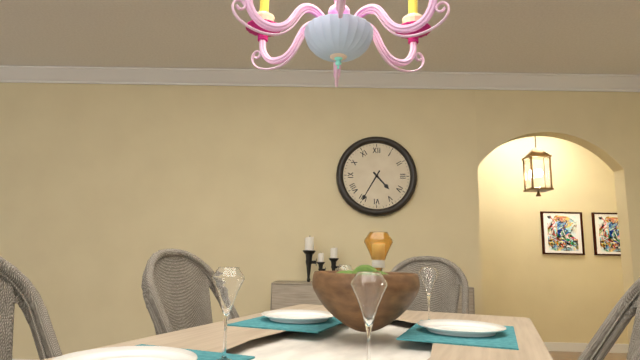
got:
h=4 m=35
